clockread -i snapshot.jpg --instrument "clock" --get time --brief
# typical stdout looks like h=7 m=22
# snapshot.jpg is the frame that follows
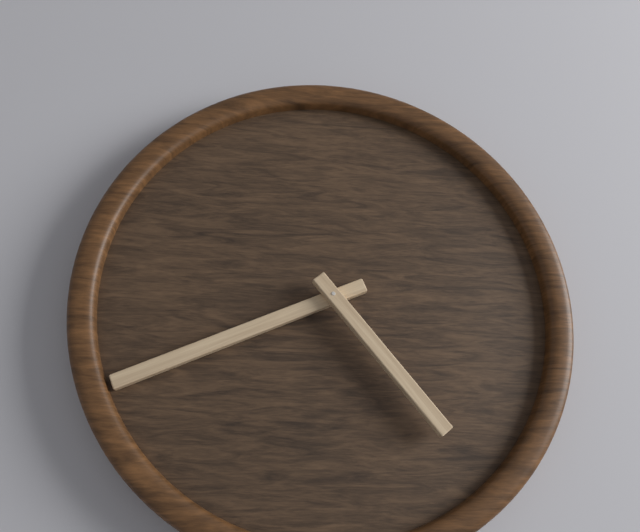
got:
h=4 m=41
